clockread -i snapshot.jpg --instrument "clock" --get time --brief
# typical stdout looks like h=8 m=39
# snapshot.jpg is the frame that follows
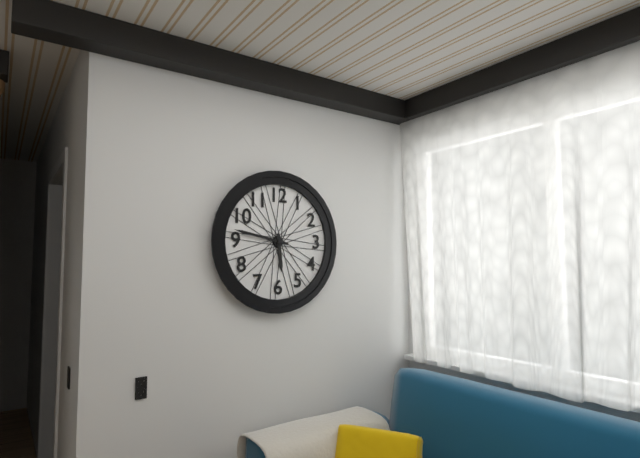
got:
h=5 m=47
